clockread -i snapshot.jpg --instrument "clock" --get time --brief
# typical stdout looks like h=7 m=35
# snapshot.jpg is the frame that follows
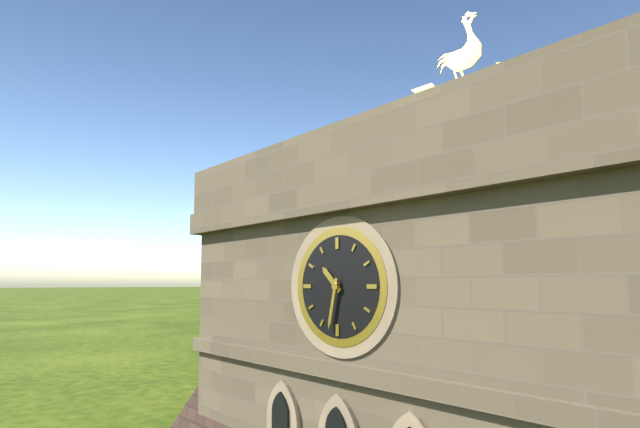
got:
h=10 m=32
